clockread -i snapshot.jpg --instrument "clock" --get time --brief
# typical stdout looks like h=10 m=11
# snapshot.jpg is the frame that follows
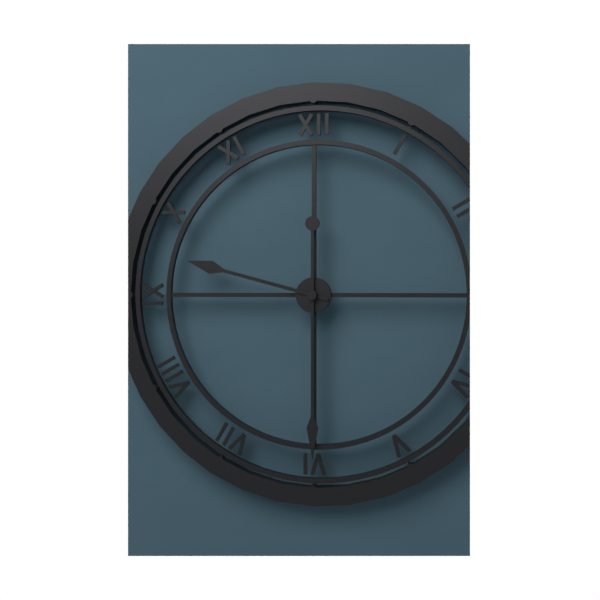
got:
h=9 m=30
